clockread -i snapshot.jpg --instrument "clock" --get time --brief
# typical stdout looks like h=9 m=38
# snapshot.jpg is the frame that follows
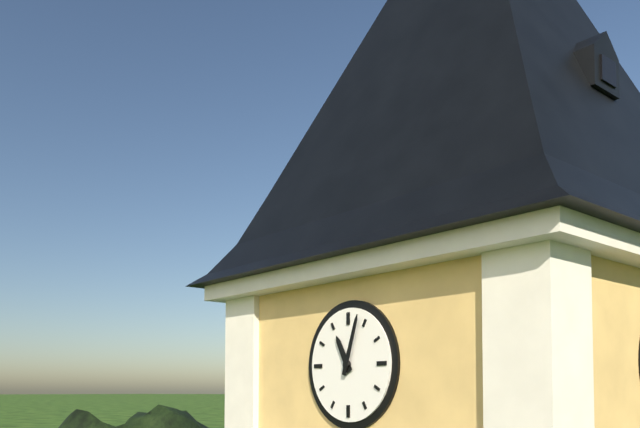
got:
h=11 m=3
